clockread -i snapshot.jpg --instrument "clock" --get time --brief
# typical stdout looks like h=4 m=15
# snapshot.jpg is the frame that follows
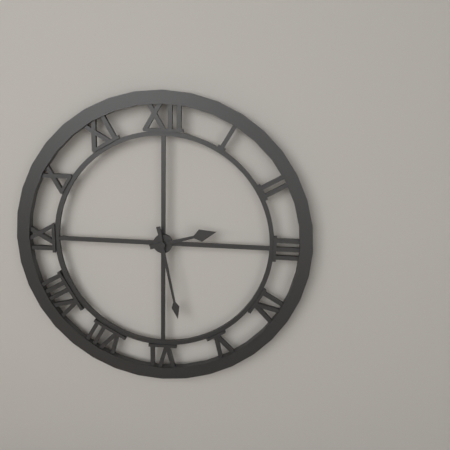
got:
h=2 m=28
